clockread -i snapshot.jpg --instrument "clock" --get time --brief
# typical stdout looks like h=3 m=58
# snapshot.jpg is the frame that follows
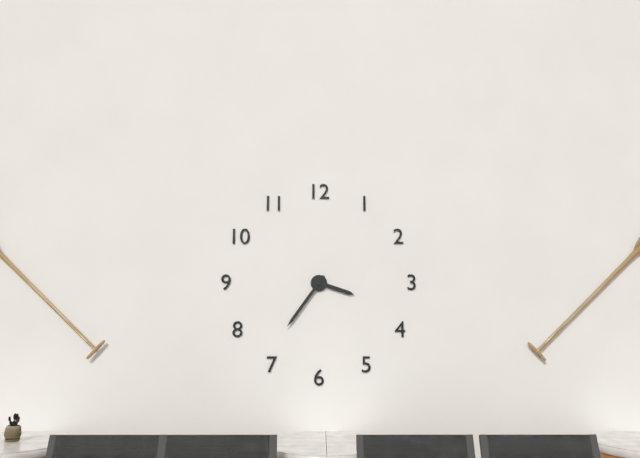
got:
h=3 m=36
